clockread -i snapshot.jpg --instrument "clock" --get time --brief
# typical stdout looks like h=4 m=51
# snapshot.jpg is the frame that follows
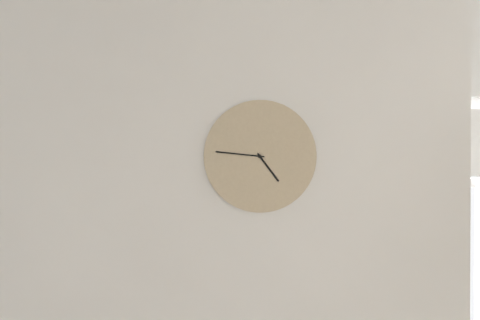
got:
h=4 m=46
